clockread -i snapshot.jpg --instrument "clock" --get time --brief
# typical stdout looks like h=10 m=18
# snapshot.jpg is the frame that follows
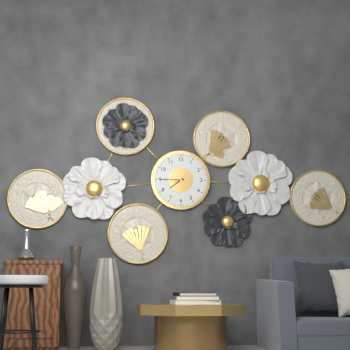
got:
h=7 m=45
